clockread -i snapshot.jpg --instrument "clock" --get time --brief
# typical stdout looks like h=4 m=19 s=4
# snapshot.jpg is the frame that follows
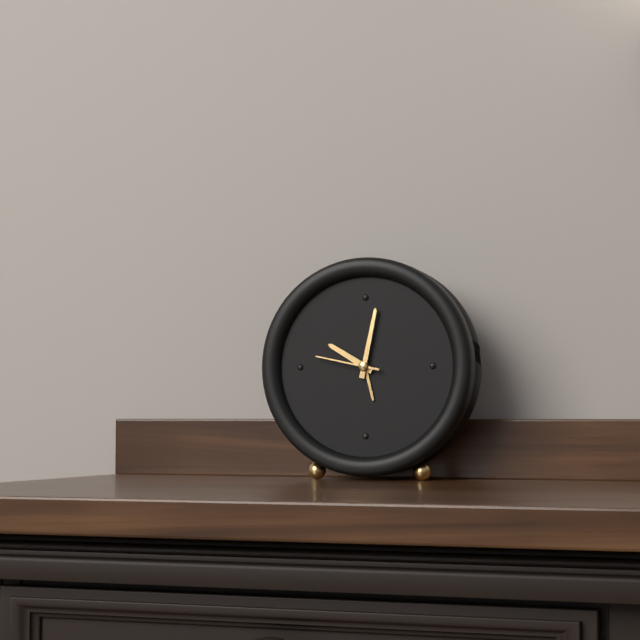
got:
h=10 m=2 s=47
